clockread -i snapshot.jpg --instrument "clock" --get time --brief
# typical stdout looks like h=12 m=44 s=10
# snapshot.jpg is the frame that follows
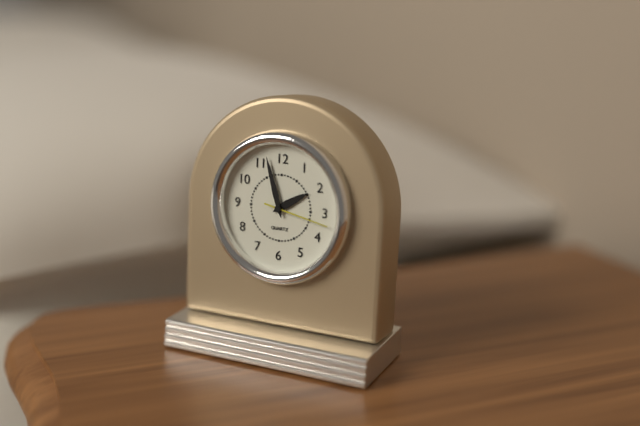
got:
h=1 m=57 s=17
